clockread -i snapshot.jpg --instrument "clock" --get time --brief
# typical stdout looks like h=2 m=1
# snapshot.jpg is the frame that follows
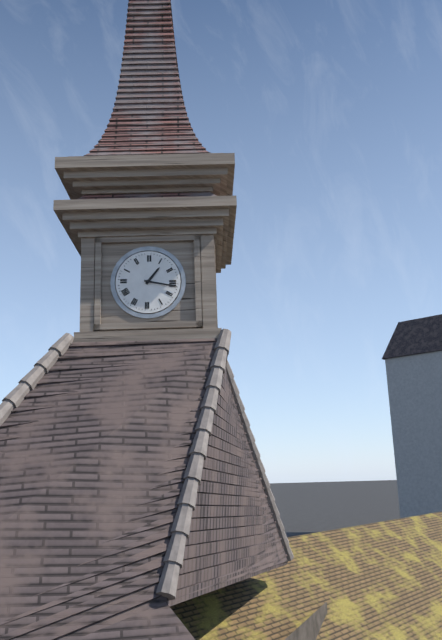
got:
h=1 m=17
